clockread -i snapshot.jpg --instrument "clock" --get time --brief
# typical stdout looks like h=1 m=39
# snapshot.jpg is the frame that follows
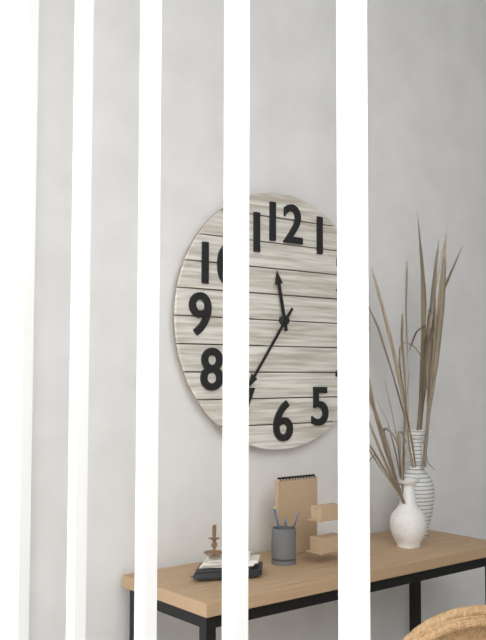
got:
h=11 m=36
